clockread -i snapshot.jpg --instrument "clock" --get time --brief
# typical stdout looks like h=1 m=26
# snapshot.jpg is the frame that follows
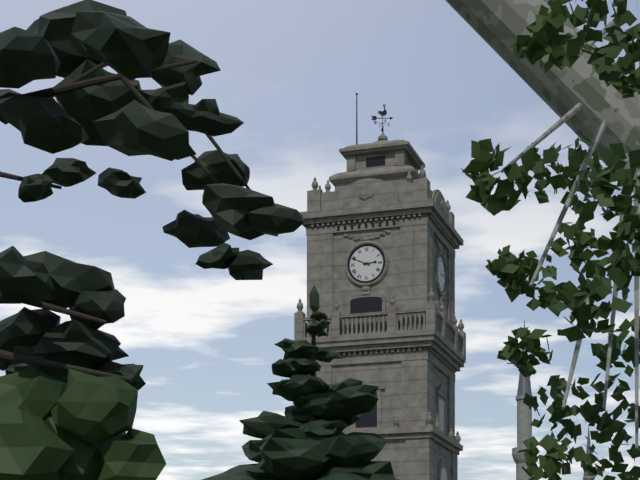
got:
h=2 m=49
